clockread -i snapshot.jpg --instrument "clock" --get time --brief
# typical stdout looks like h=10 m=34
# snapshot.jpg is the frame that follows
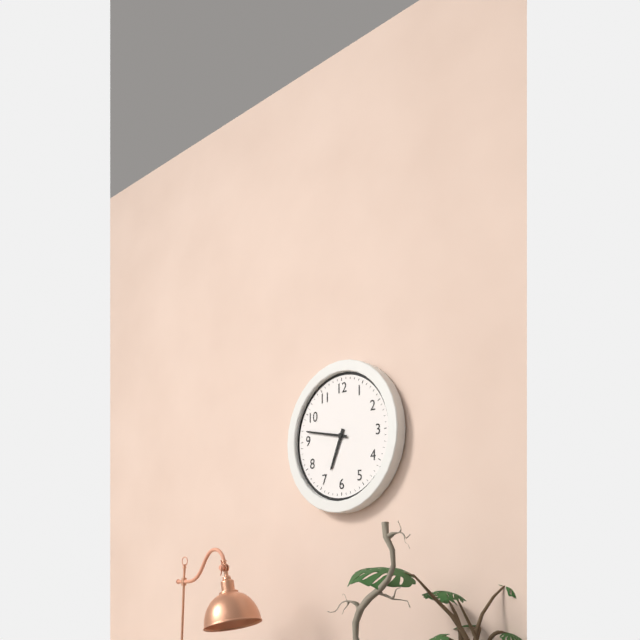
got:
h=6 m=47
